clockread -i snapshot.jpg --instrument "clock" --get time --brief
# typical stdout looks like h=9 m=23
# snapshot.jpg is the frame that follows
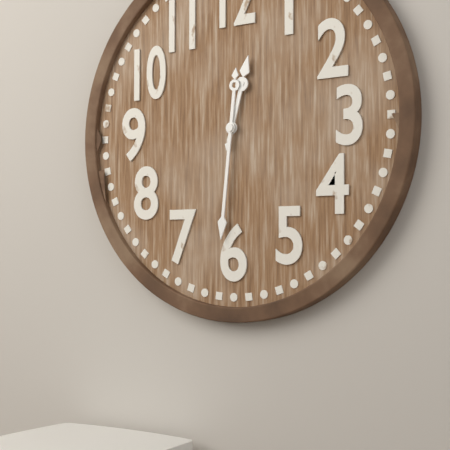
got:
h=12 m=31
